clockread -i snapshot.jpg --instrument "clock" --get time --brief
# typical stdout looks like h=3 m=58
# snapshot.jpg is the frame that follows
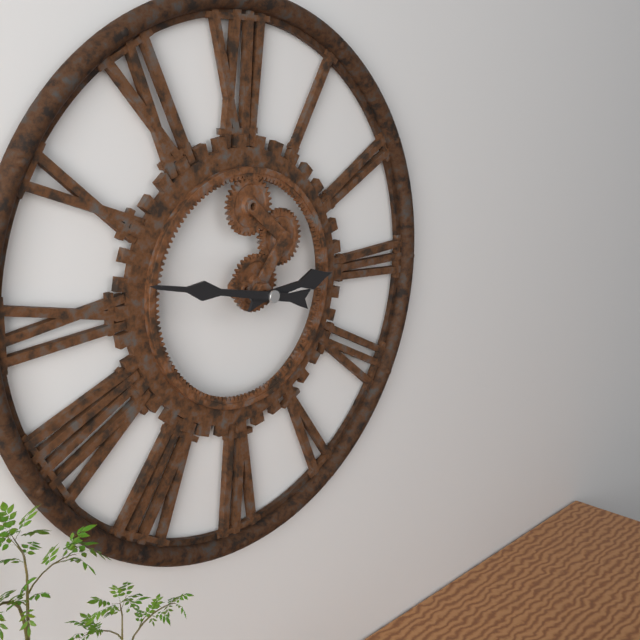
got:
h=2 m=47
